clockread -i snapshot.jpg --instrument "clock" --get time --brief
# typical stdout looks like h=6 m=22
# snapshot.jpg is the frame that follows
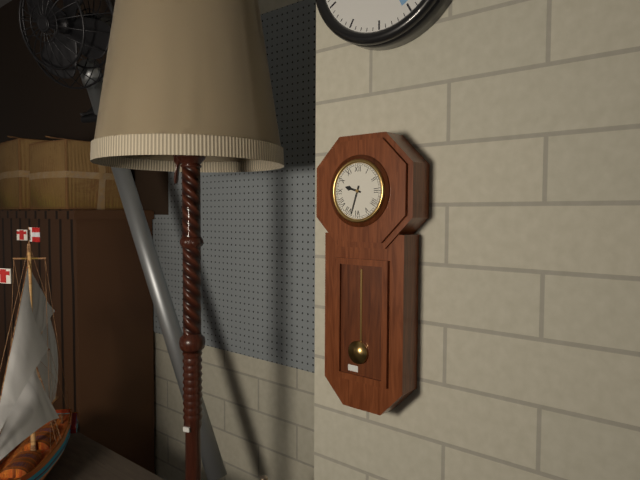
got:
h=9 m=33
